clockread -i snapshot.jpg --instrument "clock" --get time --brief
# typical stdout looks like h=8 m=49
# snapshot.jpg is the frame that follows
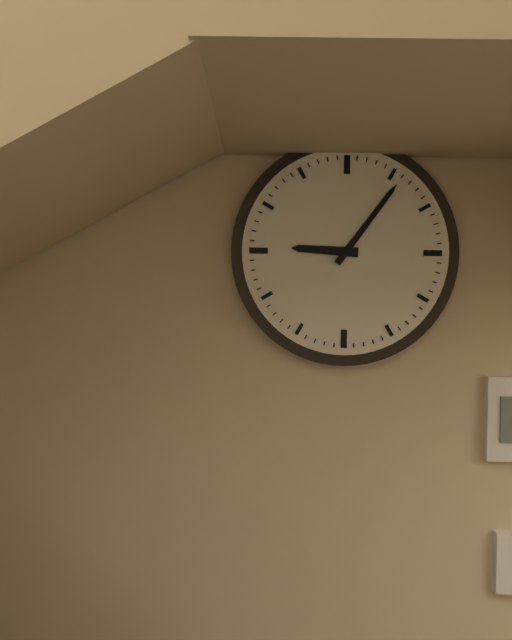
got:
h=9 m=6
